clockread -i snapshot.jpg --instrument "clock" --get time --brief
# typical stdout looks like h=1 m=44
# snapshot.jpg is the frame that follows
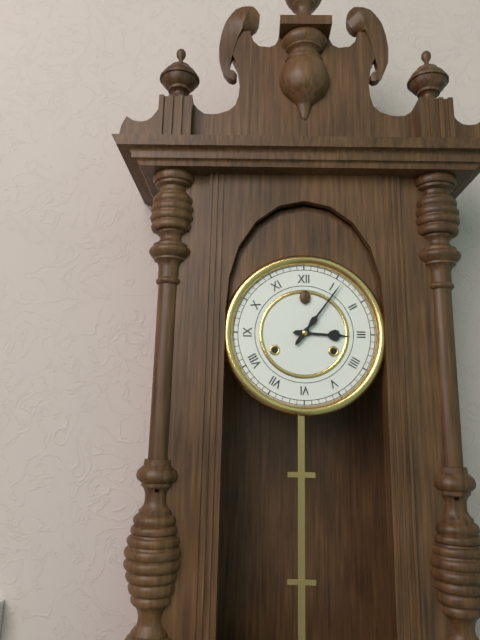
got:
h=3 m=6
